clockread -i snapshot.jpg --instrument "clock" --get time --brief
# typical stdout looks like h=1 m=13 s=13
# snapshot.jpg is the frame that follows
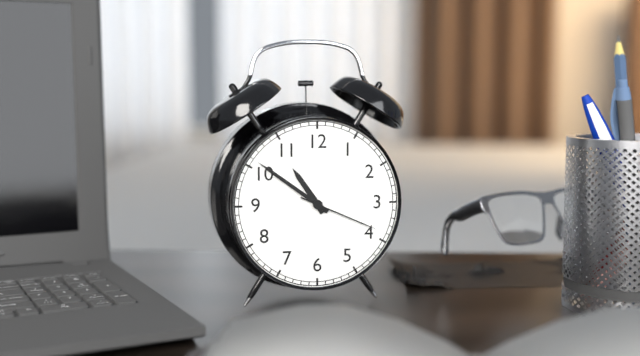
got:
h=10 m=51 s=19
